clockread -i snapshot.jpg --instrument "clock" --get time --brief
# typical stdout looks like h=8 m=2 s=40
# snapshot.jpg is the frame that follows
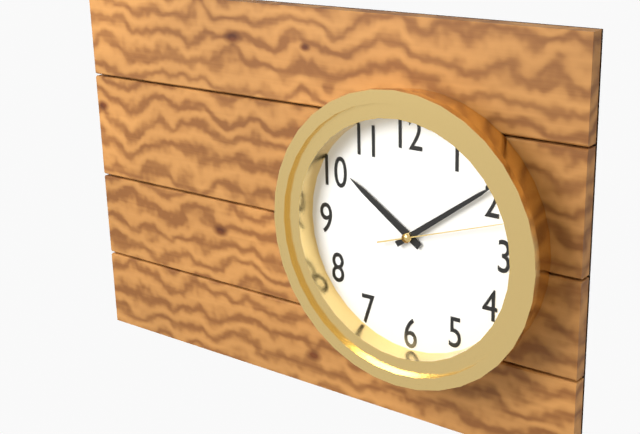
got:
h=10 m=9 s=12
